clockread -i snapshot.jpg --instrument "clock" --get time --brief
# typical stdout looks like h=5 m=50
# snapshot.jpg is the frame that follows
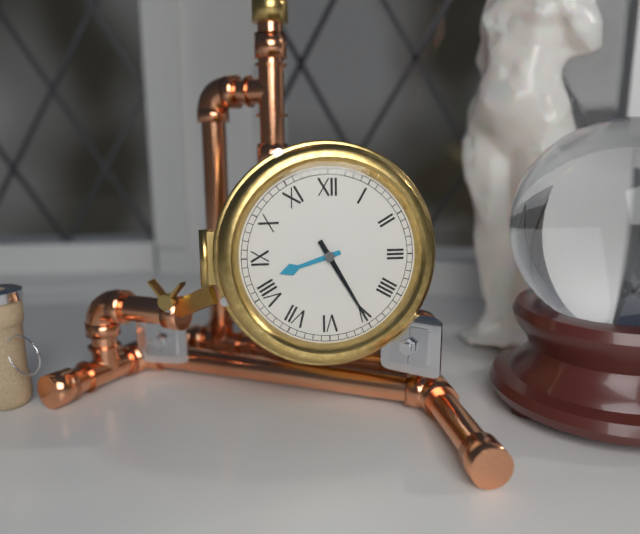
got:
h=8 m=25
